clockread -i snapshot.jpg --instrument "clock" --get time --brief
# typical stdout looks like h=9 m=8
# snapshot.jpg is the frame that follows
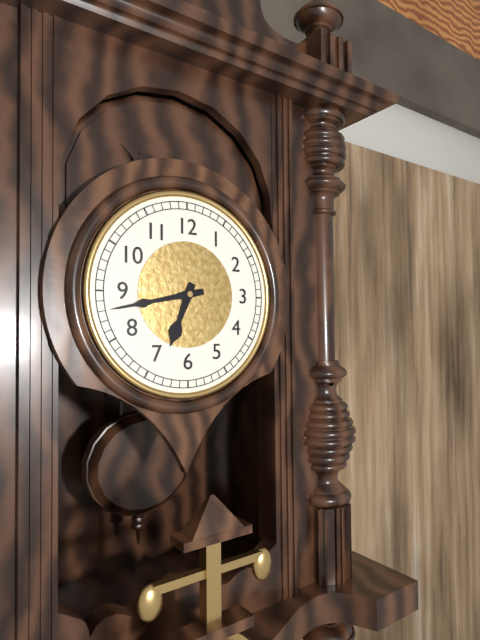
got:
h=6 m=43
